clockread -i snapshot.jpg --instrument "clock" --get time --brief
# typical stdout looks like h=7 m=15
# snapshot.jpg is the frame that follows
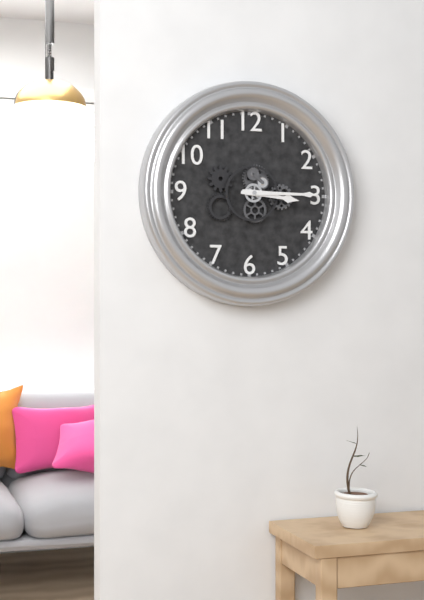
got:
h=3 m=15
